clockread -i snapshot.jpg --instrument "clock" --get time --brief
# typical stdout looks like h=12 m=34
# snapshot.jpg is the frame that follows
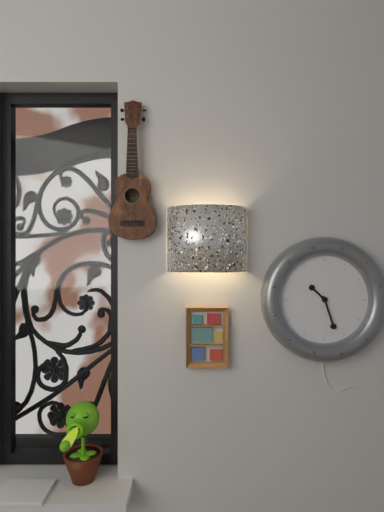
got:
h=10 m=27
